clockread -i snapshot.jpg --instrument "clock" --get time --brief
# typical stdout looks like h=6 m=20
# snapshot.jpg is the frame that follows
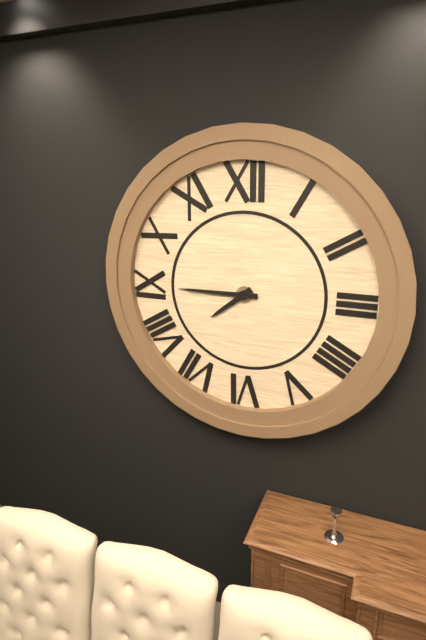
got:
h=7 m=45
